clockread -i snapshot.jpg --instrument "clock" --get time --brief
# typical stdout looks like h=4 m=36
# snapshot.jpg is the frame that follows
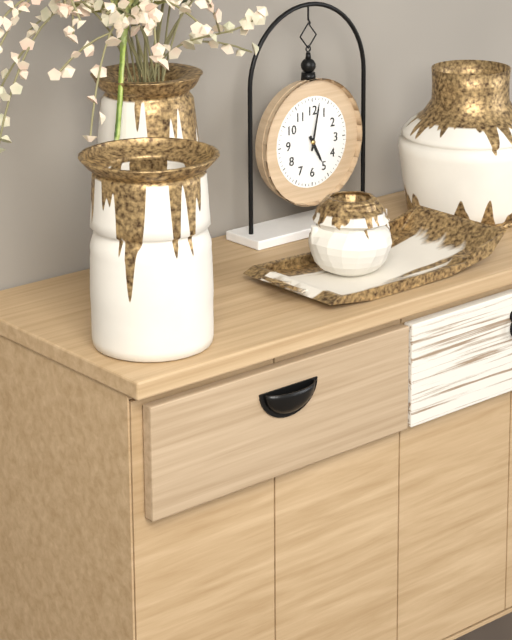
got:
h=5 m=2
